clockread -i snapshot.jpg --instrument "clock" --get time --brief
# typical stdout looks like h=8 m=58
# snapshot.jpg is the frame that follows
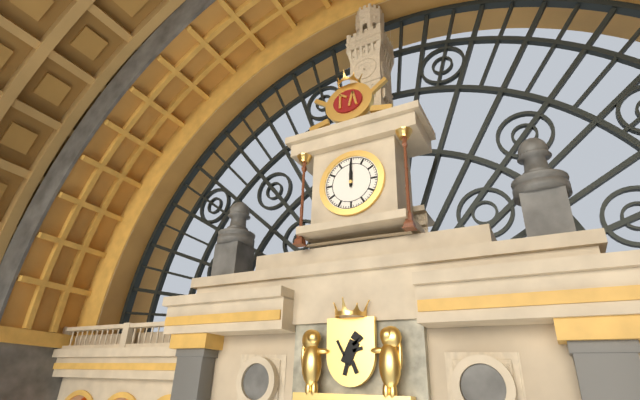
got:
h=12 m=0
